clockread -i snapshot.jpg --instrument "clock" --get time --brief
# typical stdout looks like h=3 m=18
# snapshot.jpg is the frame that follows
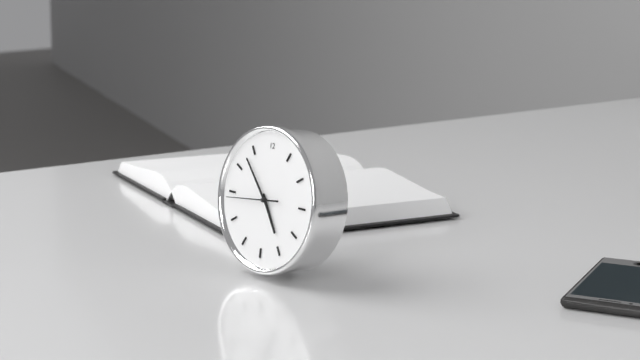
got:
h=4 m=53
